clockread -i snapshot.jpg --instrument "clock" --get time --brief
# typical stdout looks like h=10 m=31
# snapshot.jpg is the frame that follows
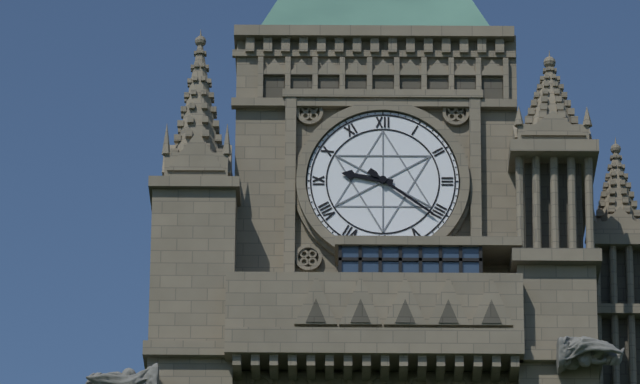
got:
h=9 m=21
